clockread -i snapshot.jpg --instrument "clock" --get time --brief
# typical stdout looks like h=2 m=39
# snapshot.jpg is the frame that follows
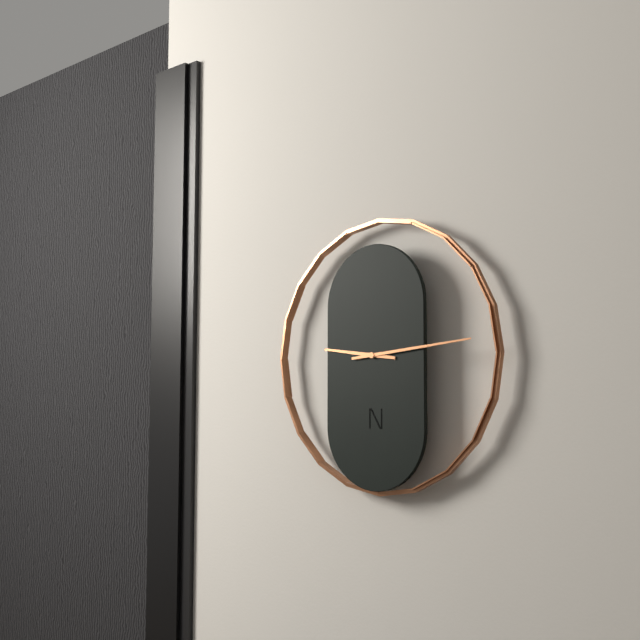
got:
h=9 m=14
